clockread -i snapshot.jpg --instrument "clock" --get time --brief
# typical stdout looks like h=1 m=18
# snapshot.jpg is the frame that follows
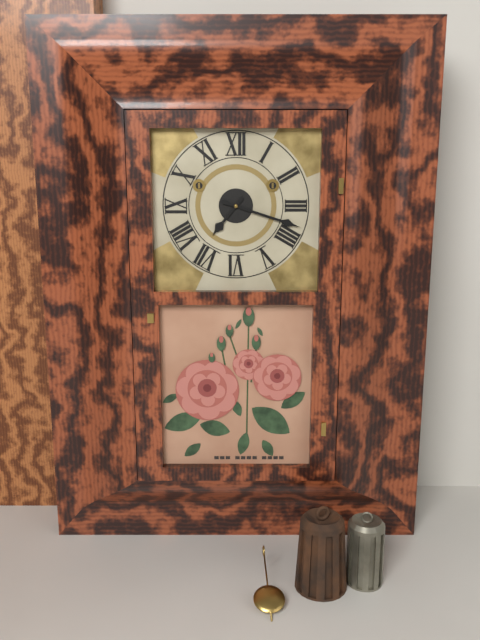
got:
h=7 m=18
